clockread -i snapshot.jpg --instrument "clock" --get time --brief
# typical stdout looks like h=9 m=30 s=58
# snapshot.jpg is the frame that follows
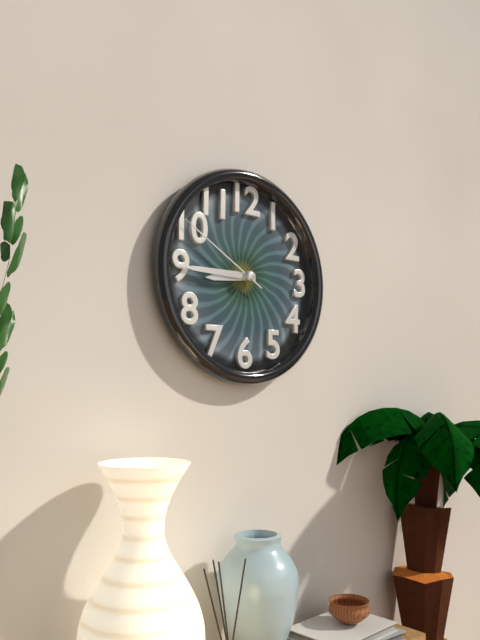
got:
h=8 m=45 s=50
